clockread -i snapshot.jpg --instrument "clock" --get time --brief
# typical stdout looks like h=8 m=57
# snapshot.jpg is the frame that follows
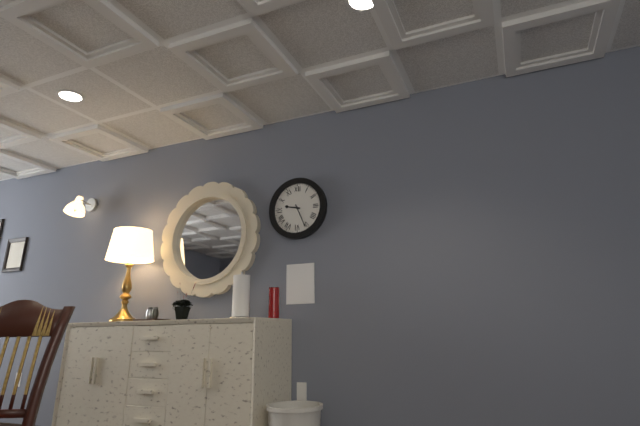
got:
h=9 m=26
